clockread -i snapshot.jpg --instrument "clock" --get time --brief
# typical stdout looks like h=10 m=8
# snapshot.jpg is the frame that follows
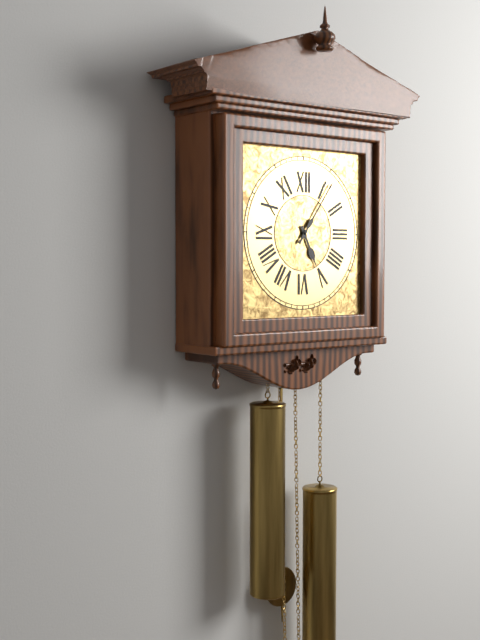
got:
h=5 m=6
